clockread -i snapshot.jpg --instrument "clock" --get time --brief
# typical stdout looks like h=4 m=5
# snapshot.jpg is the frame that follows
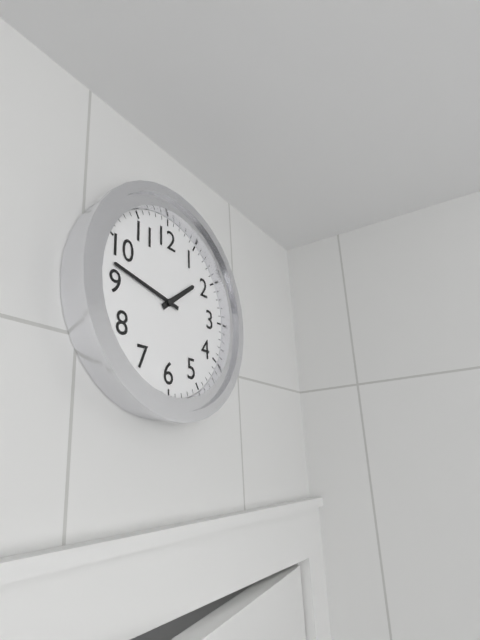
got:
h=1 m=47
